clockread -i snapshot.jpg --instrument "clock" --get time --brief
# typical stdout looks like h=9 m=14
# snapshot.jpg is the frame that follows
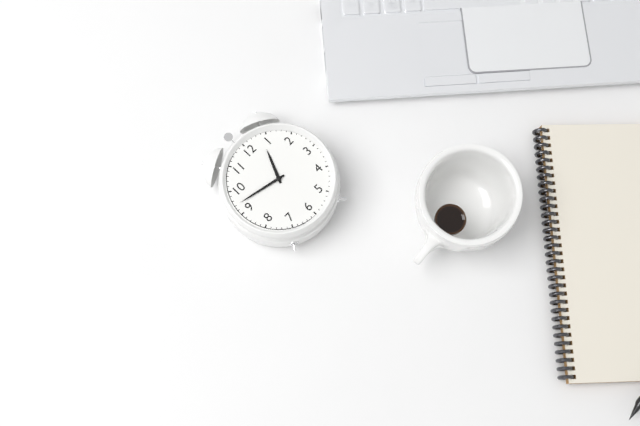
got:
h=12 m=47
